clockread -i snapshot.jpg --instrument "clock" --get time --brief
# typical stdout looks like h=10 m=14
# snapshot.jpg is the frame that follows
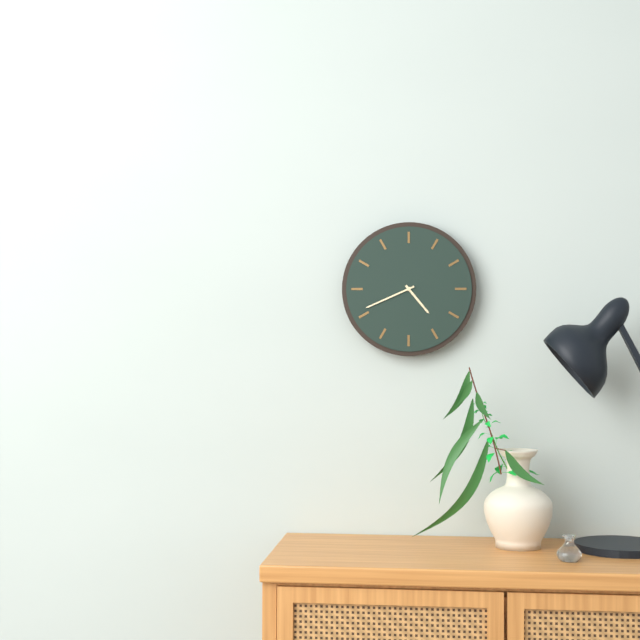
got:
h=4 m=41
